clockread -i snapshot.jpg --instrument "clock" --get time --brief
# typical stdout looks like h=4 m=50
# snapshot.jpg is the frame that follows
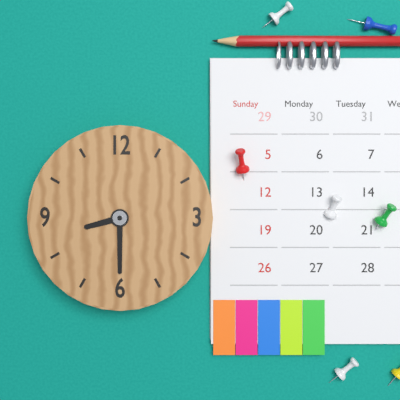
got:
h=8 m=30
